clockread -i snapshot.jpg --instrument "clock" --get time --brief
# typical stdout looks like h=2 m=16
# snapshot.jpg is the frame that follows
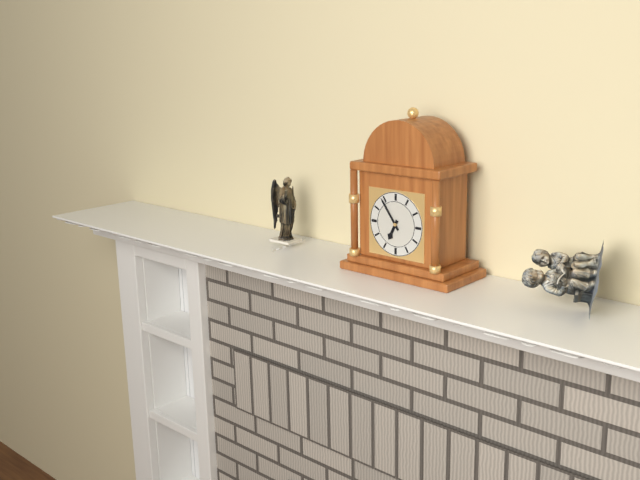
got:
h=6 m=54
